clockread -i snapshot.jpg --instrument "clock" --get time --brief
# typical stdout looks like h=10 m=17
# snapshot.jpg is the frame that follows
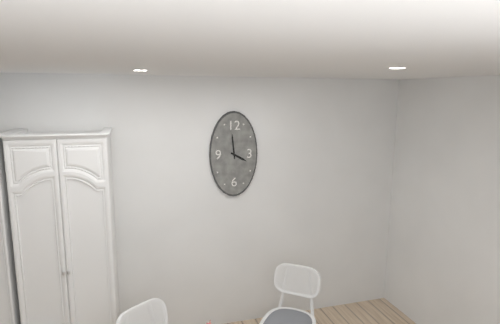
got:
h=3 m=59
